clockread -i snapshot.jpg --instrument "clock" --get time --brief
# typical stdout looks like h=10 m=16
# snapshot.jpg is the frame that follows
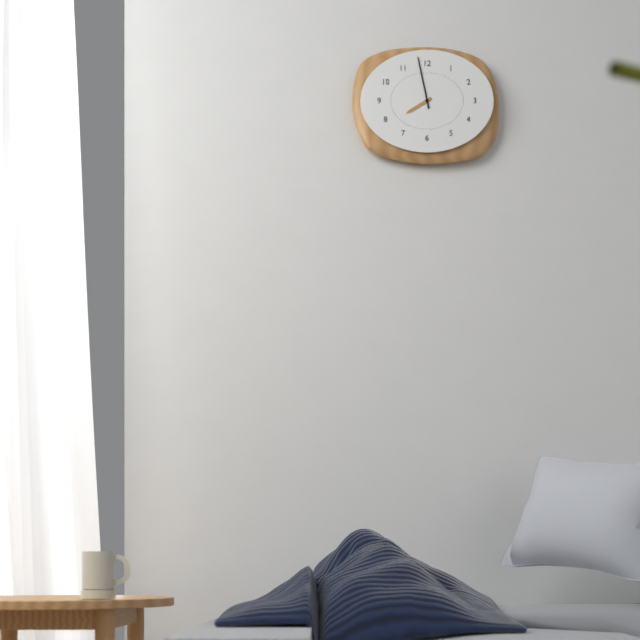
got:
h=7 m=58
